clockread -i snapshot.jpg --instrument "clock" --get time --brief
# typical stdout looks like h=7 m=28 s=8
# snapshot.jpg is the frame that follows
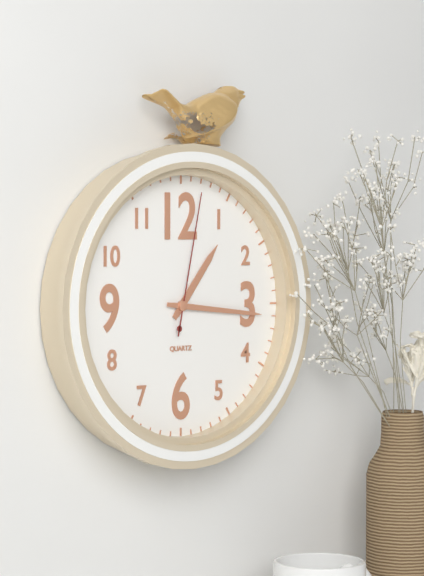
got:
h=1 m=16 s=2
